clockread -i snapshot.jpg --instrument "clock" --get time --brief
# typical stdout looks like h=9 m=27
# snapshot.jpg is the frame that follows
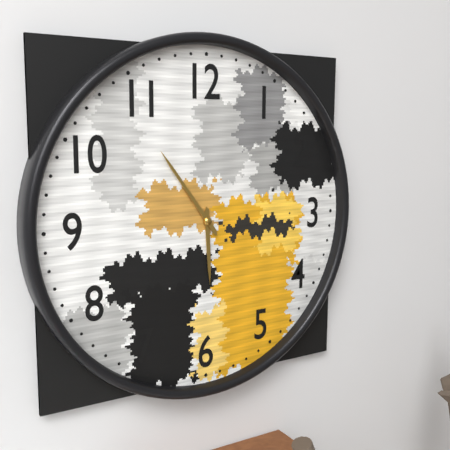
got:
h=5 m=54
